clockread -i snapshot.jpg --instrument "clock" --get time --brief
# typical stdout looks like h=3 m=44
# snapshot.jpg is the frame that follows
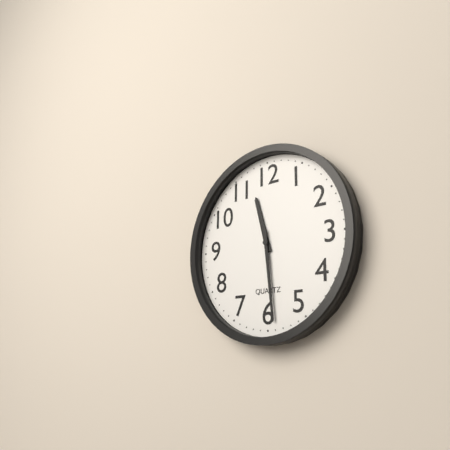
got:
h=11 m=29
